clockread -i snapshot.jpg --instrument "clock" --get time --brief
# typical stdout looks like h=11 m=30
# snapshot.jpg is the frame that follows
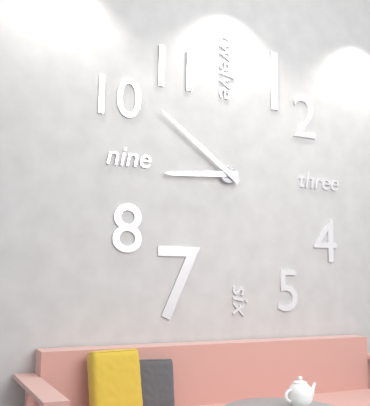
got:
h=8 m=51
